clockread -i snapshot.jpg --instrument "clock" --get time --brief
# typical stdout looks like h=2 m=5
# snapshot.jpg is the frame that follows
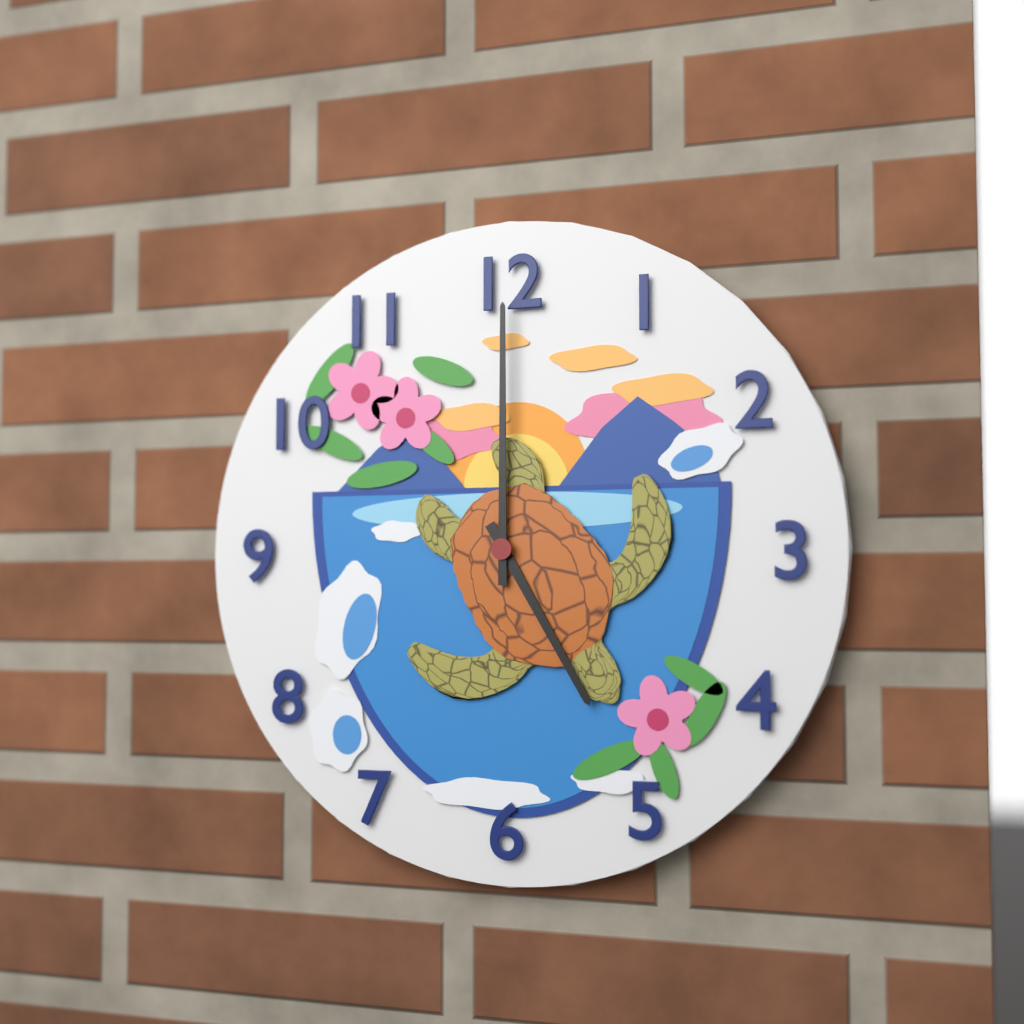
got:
h=5 m=0
